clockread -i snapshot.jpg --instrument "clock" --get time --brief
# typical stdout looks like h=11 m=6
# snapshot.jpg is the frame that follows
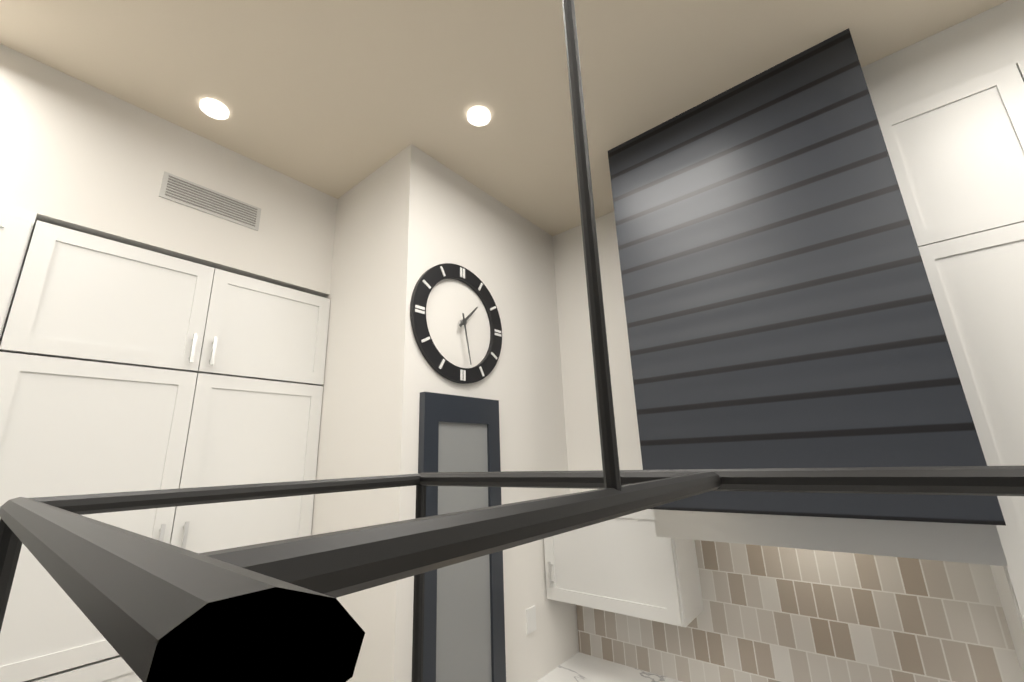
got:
h=1 m=28
